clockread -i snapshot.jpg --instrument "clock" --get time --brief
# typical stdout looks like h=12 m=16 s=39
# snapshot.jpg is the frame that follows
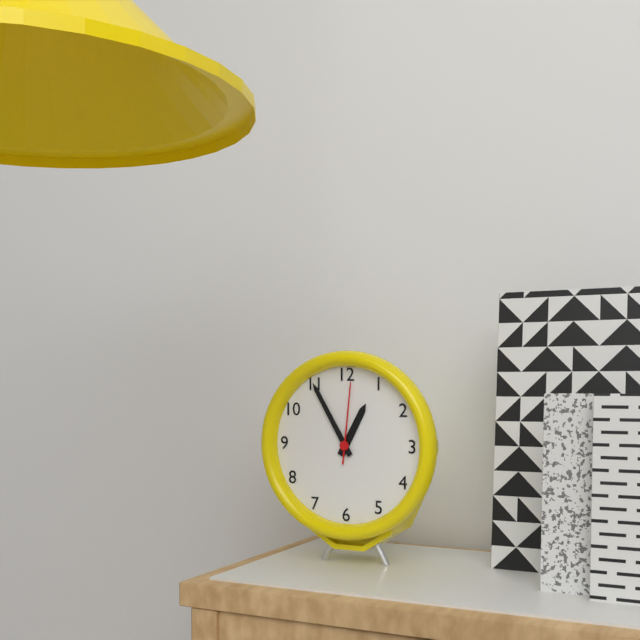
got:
h=12 m=55 s=1
